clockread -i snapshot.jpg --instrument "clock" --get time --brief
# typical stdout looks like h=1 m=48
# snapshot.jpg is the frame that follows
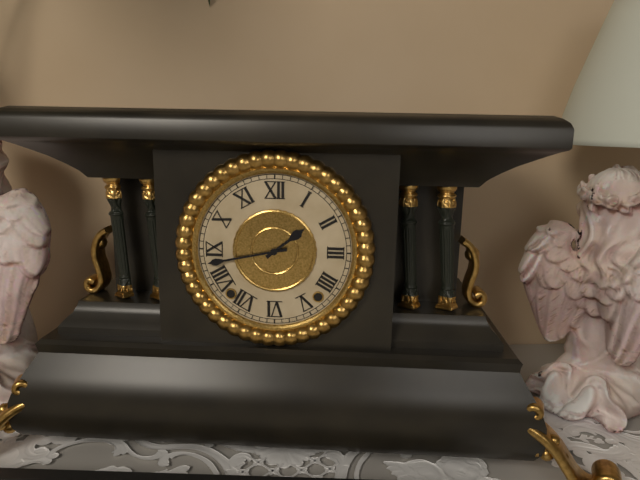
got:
h=1 m=43
